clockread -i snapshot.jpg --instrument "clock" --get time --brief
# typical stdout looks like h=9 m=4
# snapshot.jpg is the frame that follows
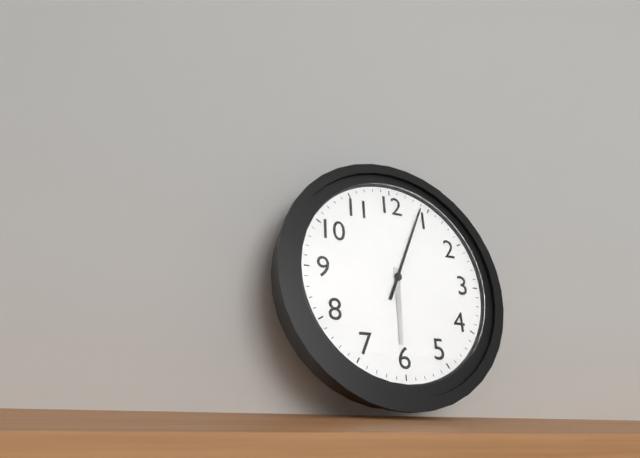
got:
h=6 m=4
